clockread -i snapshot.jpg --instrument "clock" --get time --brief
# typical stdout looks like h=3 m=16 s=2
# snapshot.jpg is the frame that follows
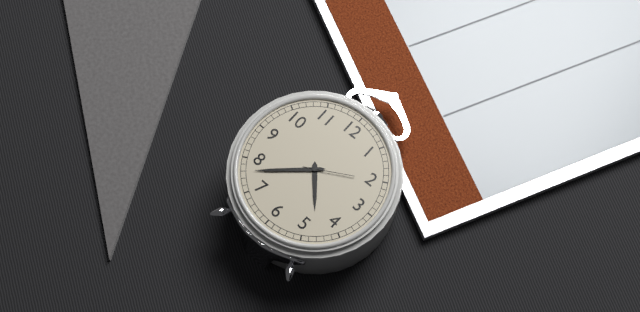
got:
h=4 m=38 s=10
